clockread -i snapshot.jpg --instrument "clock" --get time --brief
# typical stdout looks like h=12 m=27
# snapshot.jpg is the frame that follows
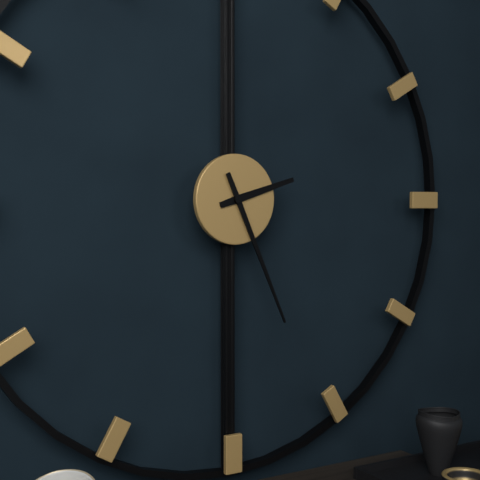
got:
h=2 m=26
